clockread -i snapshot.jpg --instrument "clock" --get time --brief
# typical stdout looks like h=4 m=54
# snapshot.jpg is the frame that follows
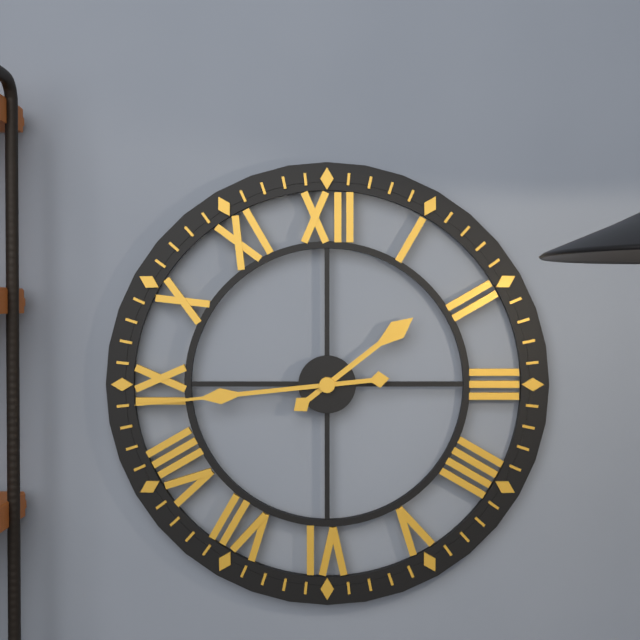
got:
h=1 m=44
